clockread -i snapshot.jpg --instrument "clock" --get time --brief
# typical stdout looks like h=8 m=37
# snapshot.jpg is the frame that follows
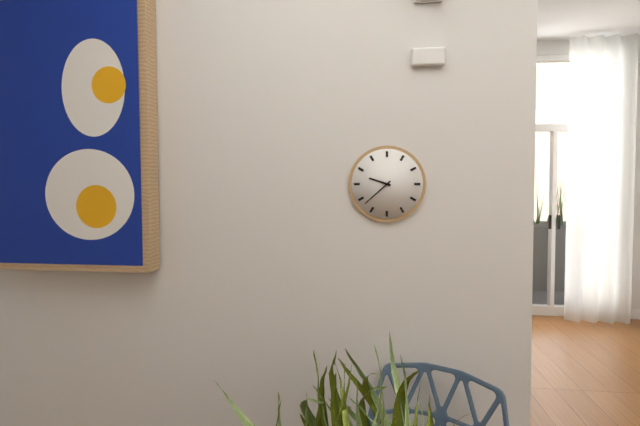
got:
h=9 m=38
